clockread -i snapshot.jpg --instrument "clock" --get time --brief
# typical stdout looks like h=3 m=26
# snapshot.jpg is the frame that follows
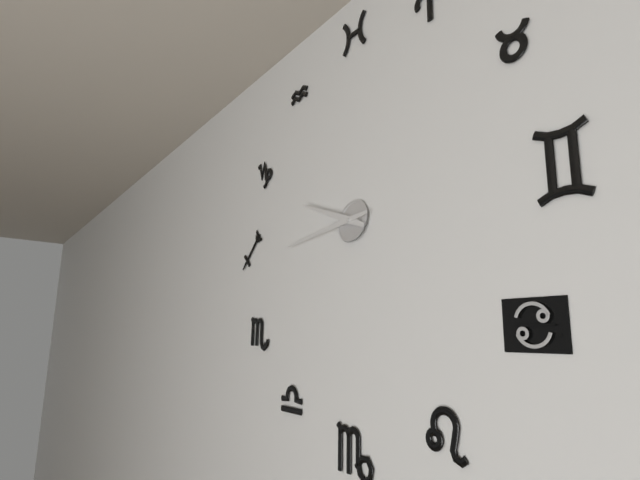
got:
h=9 m=44
